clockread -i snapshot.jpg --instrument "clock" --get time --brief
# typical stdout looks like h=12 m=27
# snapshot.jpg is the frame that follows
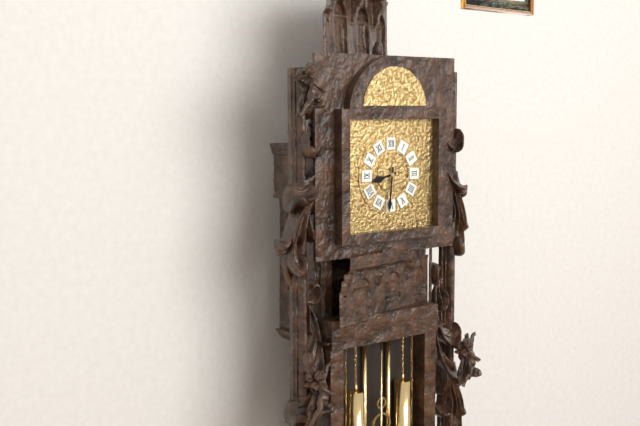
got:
h=8 m=31
